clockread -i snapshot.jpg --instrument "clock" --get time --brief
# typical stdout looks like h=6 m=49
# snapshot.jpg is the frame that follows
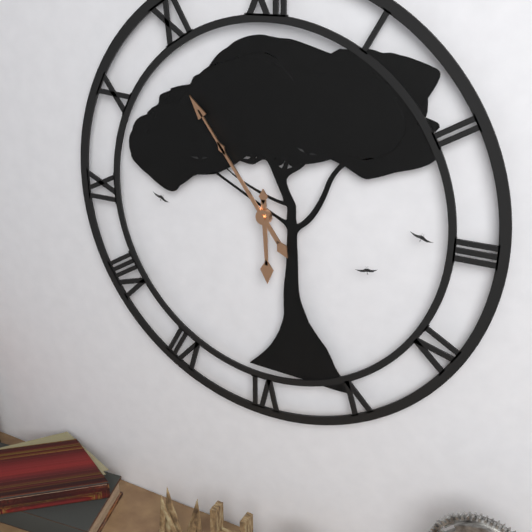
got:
h=5 m=54
